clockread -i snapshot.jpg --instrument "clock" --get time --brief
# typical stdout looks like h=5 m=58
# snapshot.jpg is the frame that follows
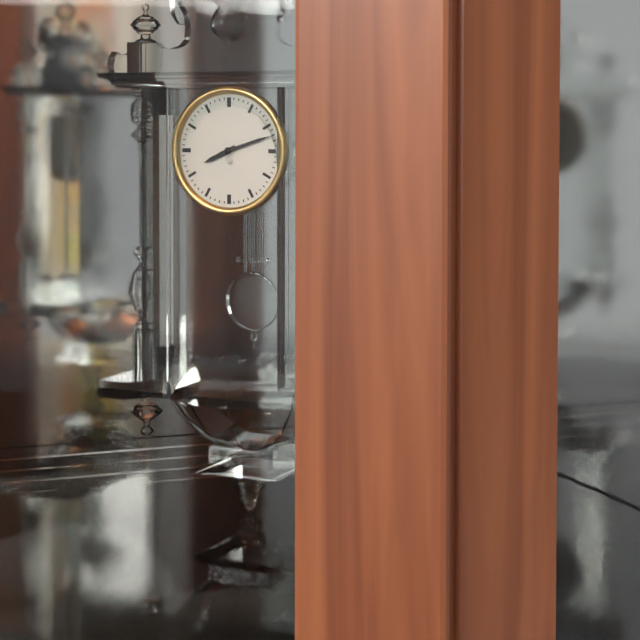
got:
h=8 m=12
